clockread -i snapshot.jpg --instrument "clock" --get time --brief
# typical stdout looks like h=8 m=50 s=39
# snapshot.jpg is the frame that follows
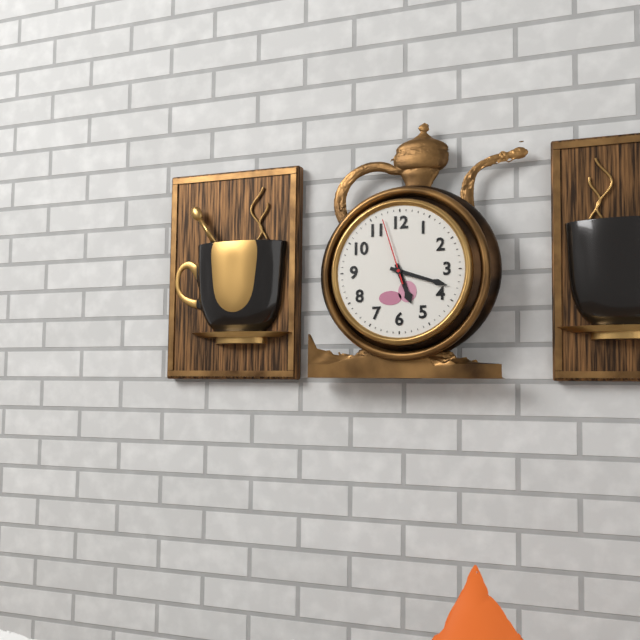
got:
h=5 m=18 s=57
